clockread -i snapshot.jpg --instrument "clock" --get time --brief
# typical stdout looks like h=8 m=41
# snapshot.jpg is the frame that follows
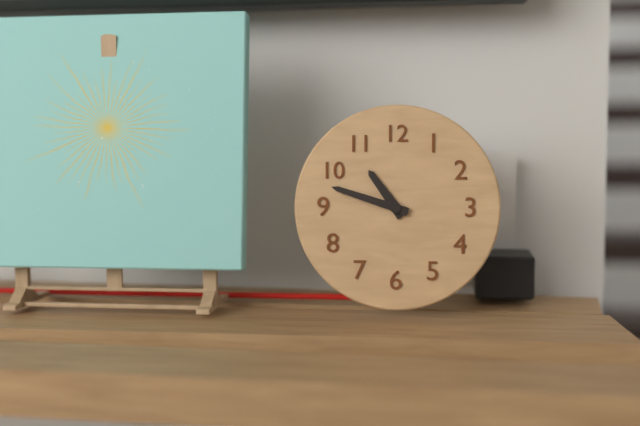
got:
h=10 m=48
